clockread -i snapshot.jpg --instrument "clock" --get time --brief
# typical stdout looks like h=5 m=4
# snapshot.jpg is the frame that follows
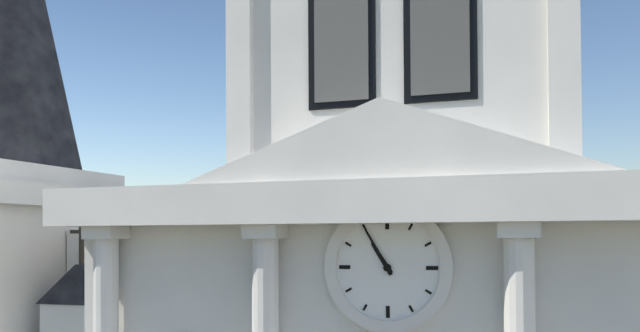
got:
h=10 m=55
